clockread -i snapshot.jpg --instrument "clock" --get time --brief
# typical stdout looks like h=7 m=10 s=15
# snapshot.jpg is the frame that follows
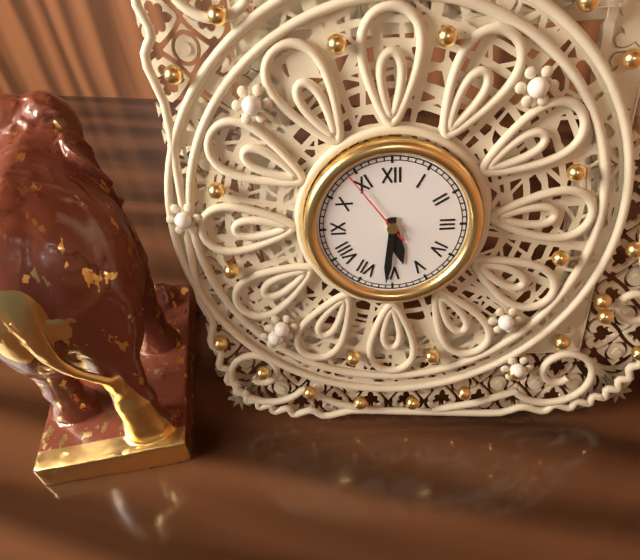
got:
h=5 m=31 s=54
